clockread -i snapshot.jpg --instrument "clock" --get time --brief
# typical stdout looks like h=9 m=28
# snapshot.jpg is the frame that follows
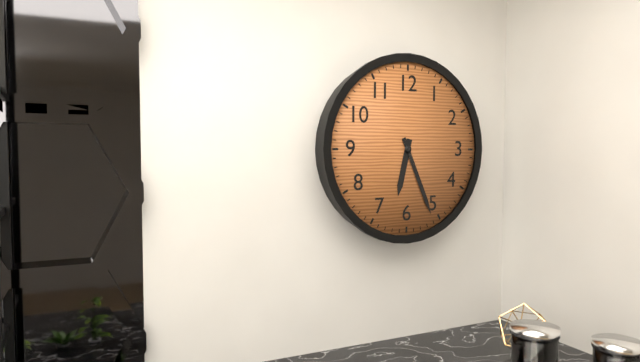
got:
h=6 m=26
